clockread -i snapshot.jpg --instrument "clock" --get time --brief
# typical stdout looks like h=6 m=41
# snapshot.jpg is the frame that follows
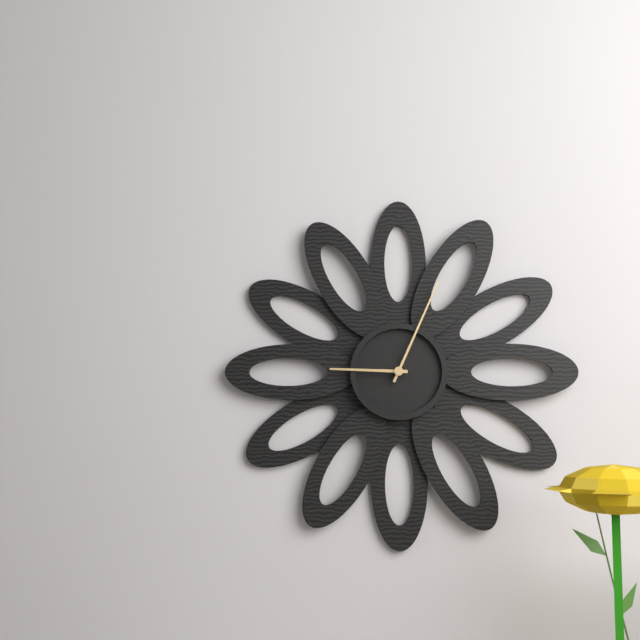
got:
h=9 m=4
